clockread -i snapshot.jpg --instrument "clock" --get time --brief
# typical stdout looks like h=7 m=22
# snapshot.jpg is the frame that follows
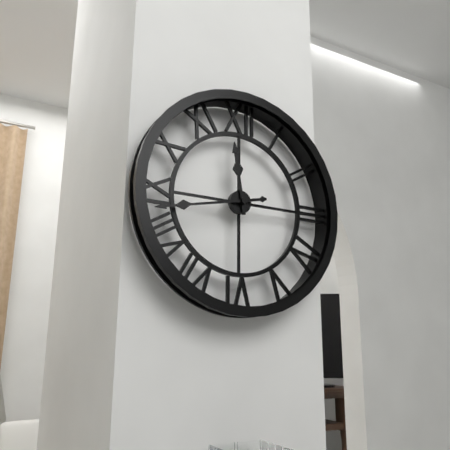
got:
h=11 m=43
